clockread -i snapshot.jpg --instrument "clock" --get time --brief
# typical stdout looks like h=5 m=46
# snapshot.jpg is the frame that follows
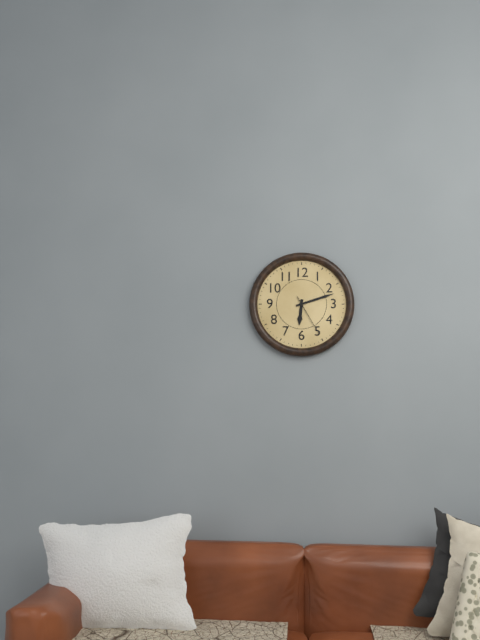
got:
h=6 m=12
